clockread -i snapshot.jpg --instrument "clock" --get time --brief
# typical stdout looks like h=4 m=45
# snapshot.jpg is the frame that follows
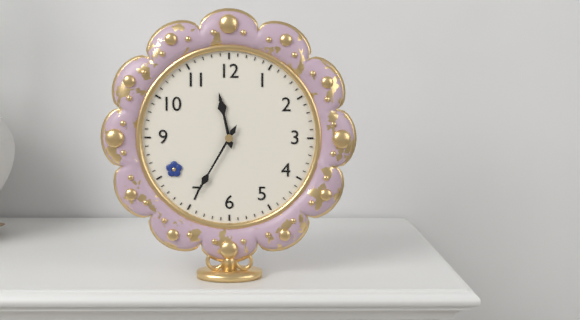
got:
h=11 m=35
